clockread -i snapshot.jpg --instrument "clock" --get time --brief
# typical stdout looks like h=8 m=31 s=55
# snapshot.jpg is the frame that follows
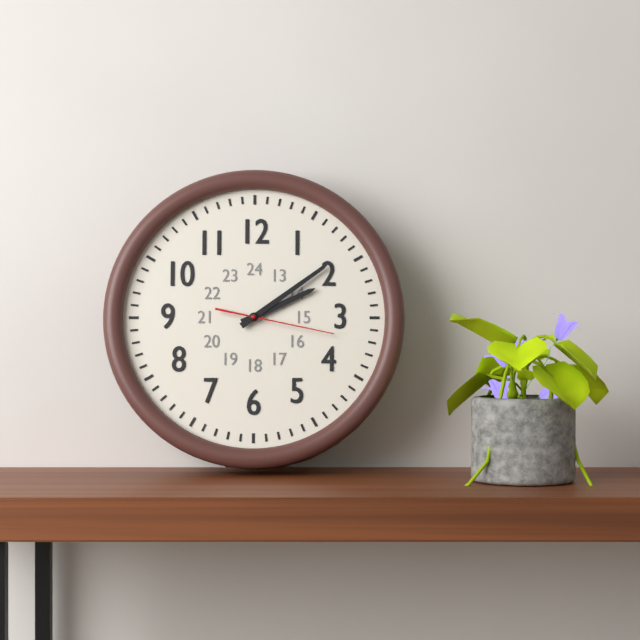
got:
h=2 m=9 s=17
